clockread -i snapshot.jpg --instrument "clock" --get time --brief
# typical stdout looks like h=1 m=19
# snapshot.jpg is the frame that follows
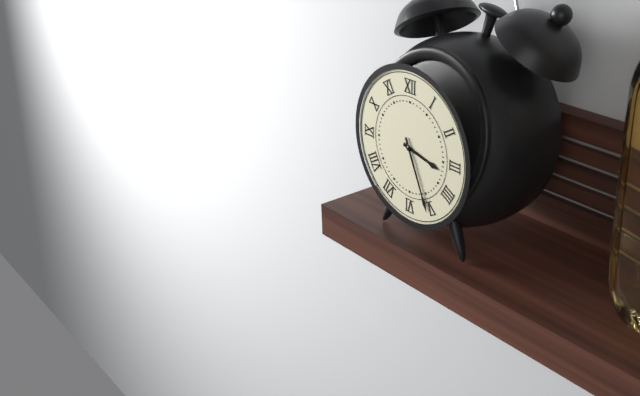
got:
h=3 m=26
